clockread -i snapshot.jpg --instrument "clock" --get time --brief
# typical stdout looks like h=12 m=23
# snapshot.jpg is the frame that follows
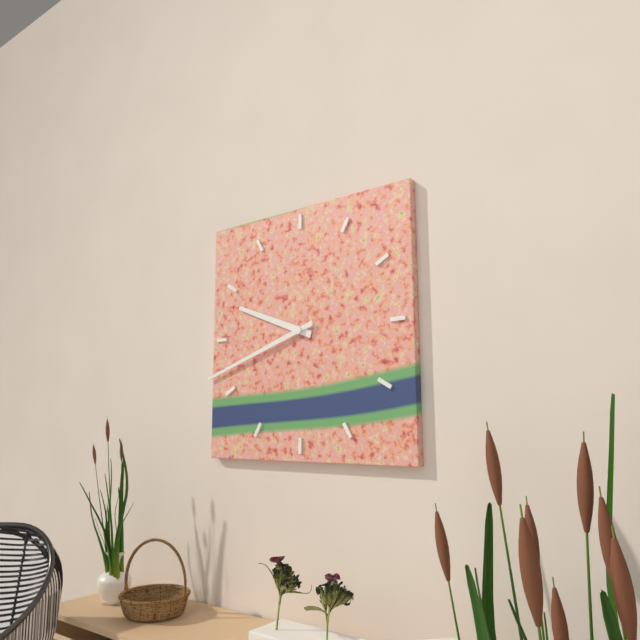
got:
h=9 m=42
